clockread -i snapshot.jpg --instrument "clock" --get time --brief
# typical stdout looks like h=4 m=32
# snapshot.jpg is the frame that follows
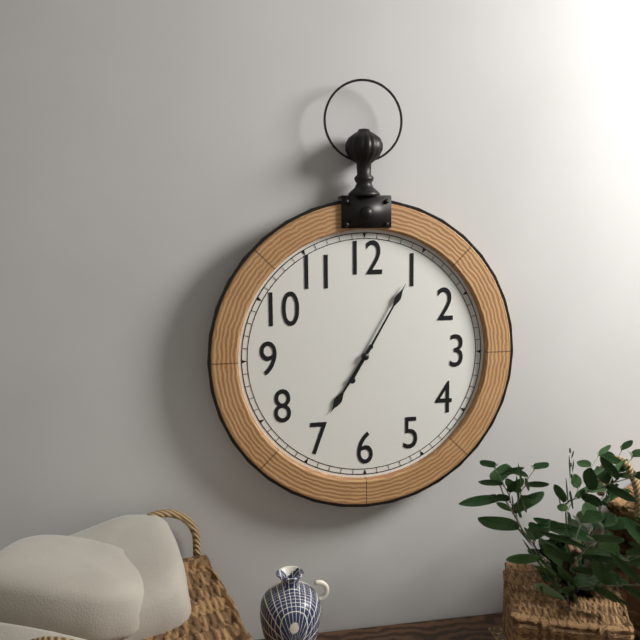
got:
h=7 m=5
